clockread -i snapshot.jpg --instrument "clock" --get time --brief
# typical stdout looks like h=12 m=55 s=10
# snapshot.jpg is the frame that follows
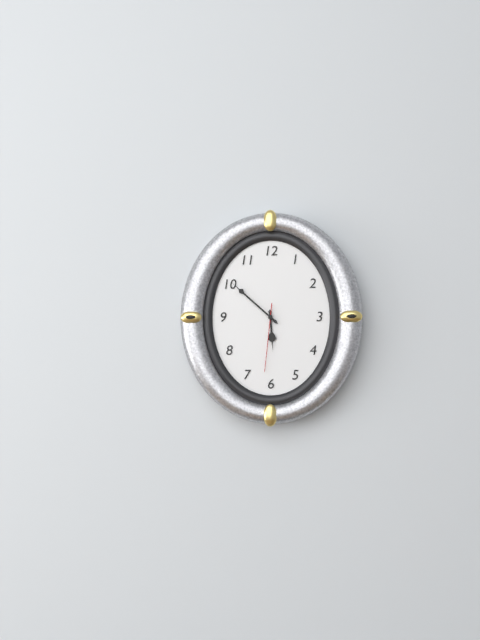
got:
h=5 m=52 s=31
